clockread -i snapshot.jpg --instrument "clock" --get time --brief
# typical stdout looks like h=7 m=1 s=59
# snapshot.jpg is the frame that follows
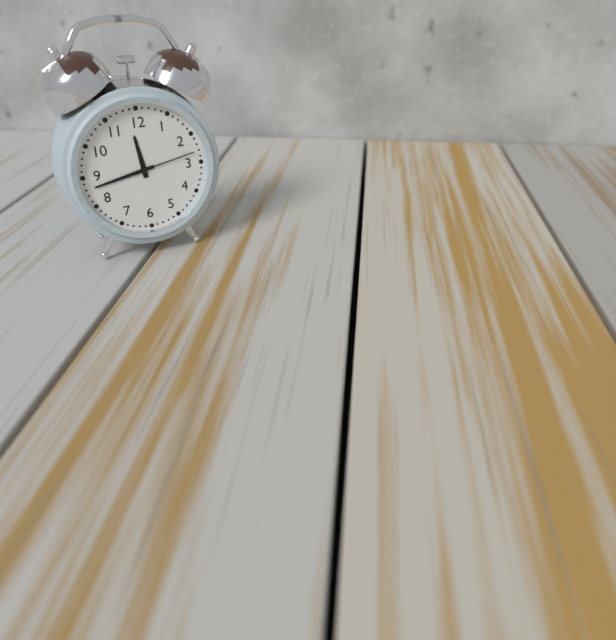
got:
h=11 m=43 s=13
